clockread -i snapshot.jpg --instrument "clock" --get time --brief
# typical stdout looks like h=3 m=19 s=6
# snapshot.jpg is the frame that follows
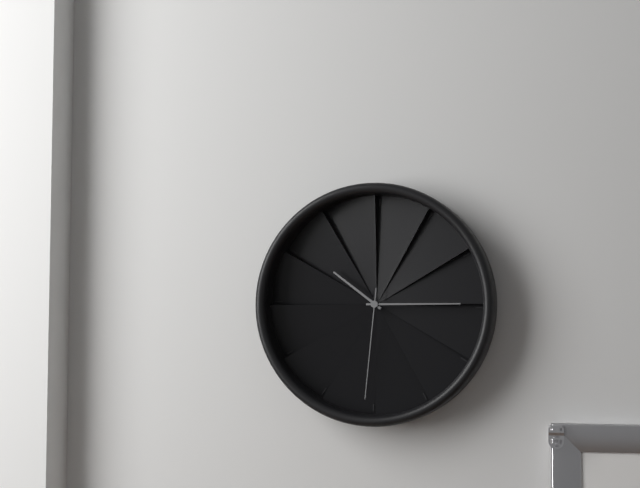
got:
h=10 m=15 s=31
